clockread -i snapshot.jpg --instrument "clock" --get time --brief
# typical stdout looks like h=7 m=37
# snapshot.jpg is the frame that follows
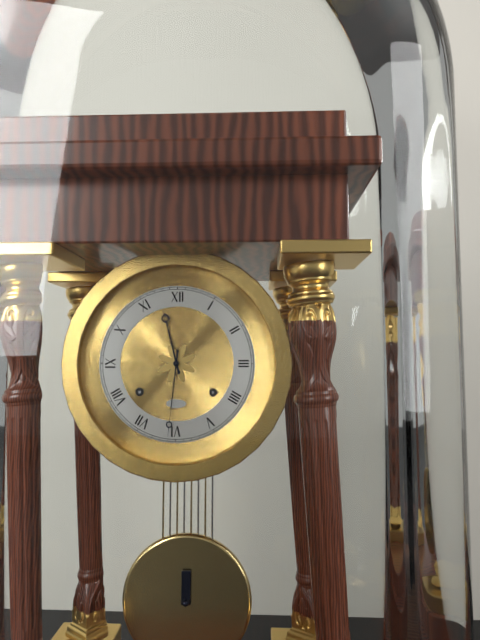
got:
h=11 m=31
